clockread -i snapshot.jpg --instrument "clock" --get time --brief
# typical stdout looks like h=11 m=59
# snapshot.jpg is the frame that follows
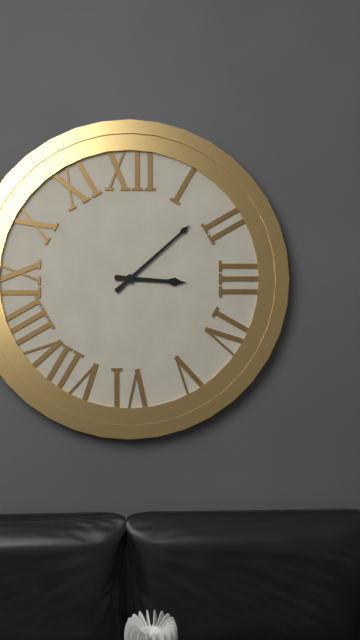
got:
h=3 m=8
